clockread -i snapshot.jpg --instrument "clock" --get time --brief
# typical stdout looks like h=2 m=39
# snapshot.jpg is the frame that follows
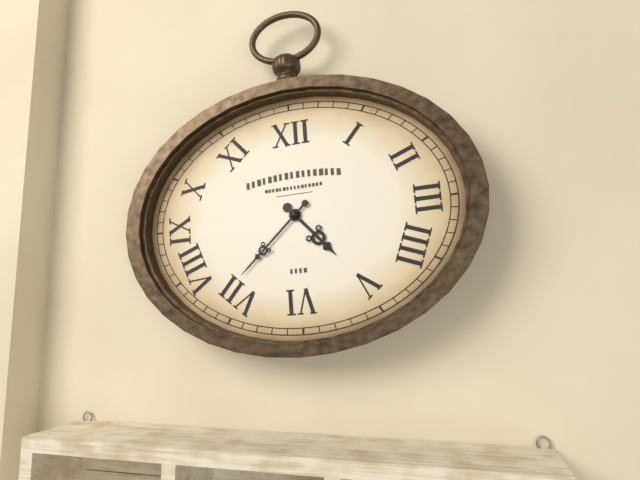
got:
h=4 m=38
